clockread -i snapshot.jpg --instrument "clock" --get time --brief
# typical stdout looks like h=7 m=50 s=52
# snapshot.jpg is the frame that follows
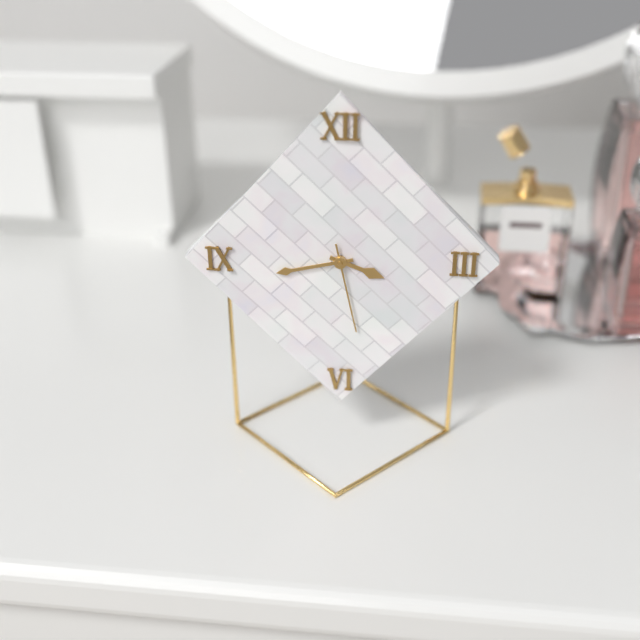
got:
h=3 m=43 s=28
